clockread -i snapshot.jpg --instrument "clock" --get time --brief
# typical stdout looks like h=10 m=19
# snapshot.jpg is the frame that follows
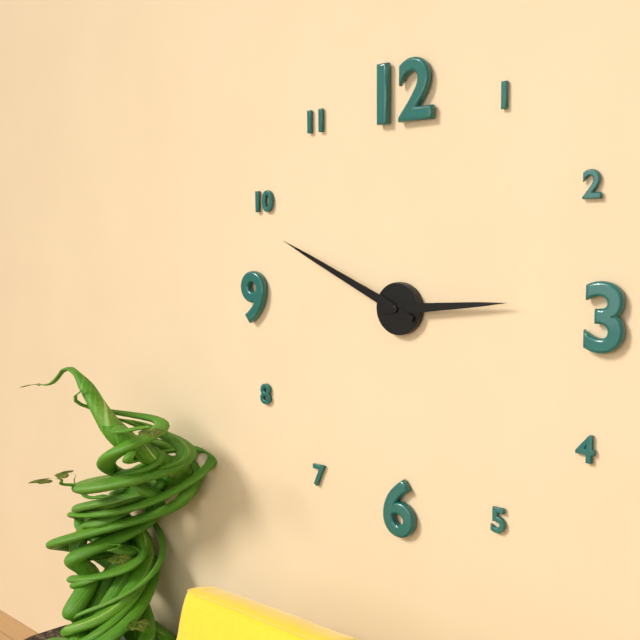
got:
h=2 m=49
